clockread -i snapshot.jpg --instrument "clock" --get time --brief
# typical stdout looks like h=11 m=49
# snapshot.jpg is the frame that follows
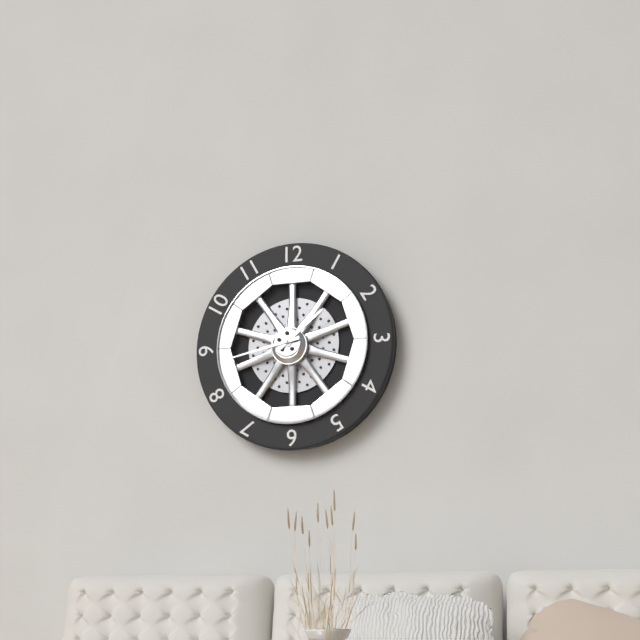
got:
h=1 m=43
